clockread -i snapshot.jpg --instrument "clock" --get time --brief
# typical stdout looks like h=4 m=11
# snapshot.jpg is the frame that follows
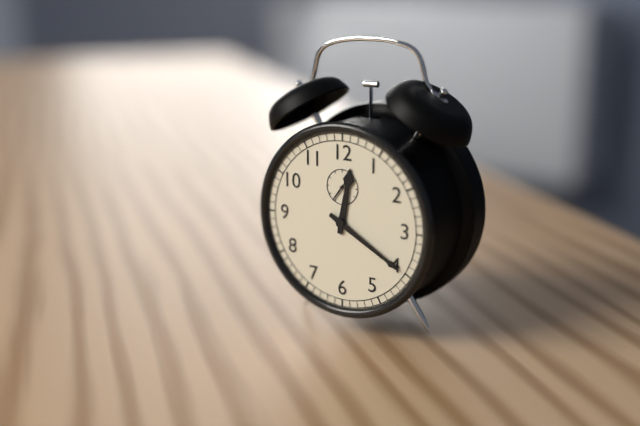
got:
h=12 m=20
